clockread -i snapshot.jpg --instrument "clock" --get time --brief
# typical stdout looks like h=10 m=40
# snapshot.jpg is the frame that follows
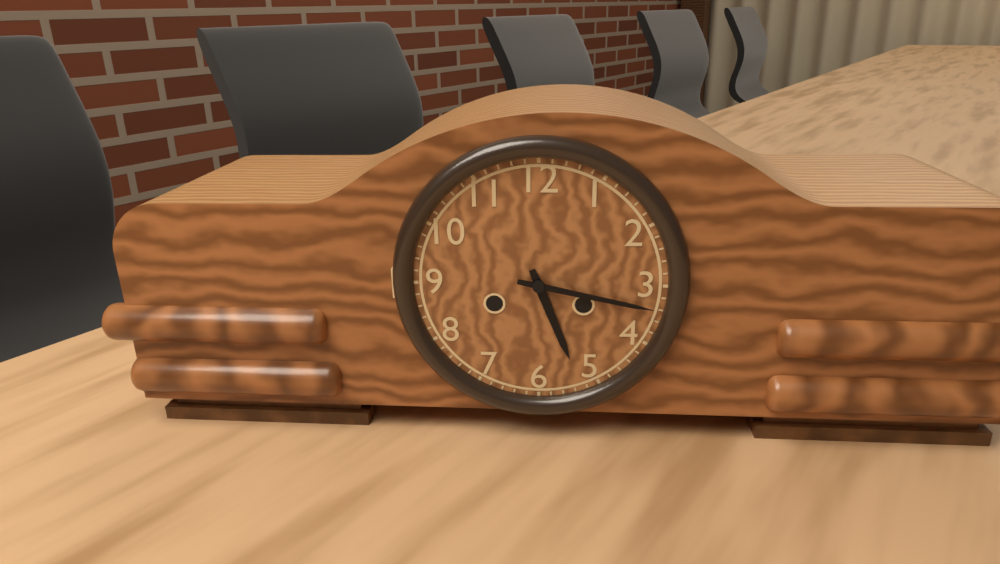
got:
h=5 m=17
